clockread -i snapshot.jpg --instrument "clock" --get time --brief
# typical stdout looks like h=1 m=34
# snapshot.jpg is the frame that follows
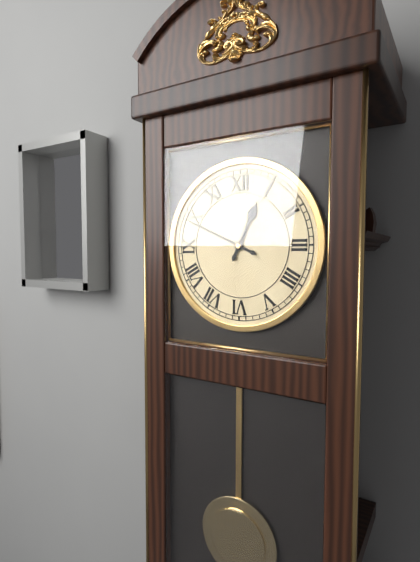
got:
h=12 m=49
